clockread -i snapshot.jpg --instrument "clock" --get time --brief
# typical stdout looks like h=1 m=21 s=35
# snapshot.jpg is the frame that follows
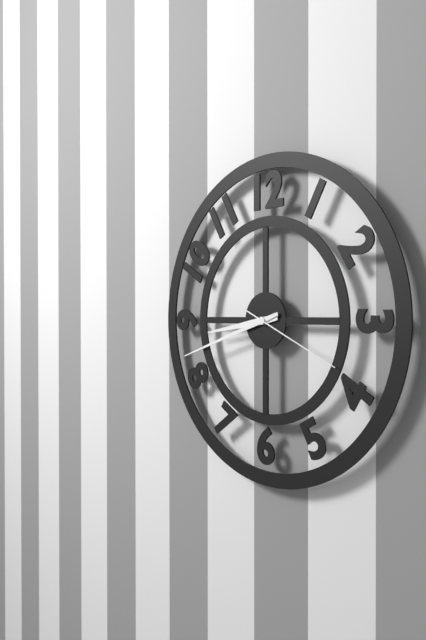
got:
h=8 m=42 s=19
